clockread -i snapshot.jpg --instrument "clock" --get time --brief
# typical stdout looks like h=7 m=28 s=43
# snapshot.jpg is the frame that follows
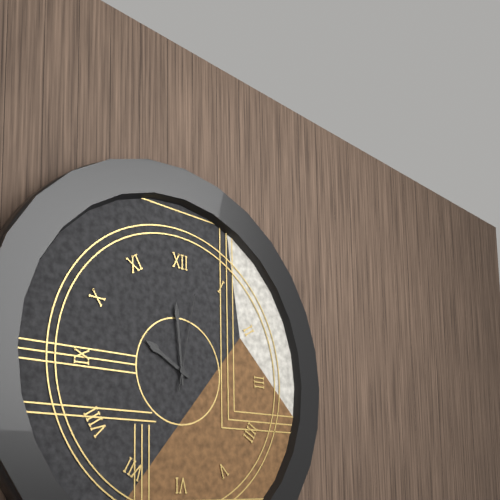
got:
h=9 m=59 s=2
